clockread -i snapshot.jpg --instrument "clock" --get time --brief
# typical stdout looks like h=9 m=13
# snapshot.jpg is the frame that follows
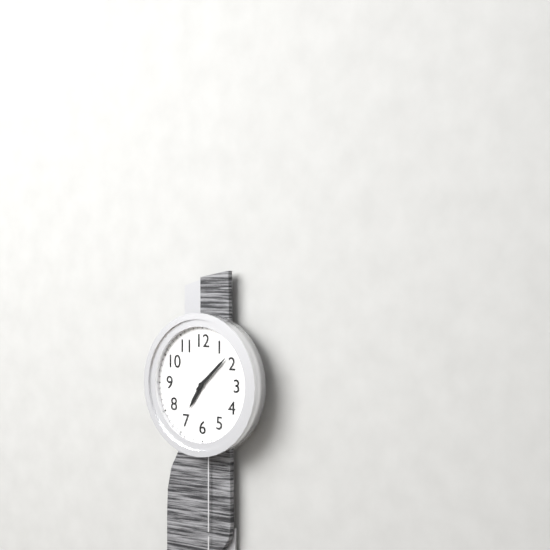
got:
h=7 m=8
